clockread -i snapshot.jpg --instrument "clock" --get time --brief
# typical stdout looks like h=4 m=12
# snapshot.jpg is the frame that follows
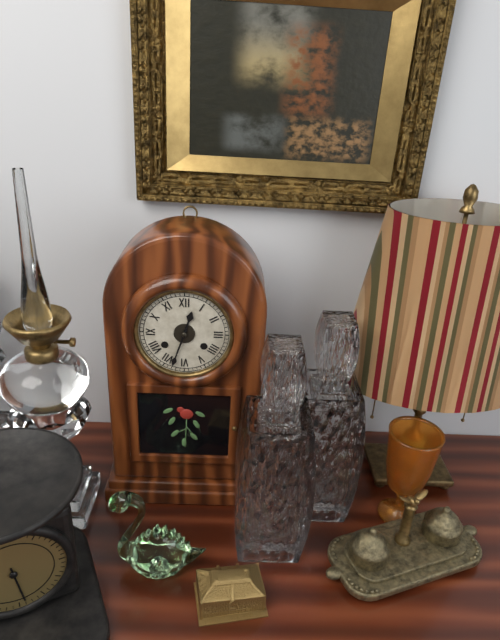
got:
h=12 m=33
